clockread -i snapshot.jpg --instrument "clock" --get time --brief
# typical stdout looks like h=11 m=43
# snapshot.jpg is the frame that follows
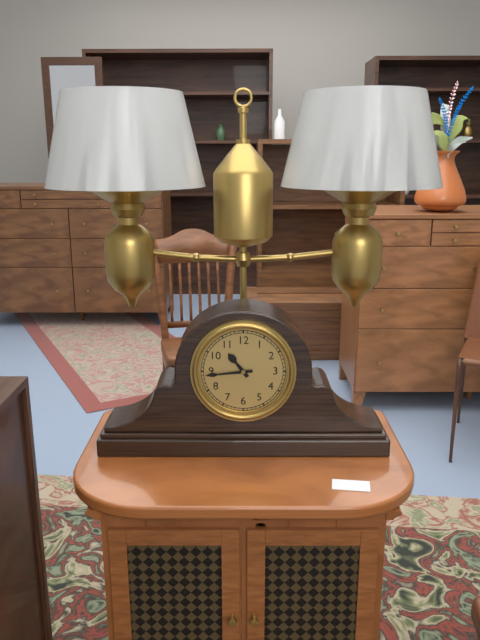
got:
h=10 m=44
